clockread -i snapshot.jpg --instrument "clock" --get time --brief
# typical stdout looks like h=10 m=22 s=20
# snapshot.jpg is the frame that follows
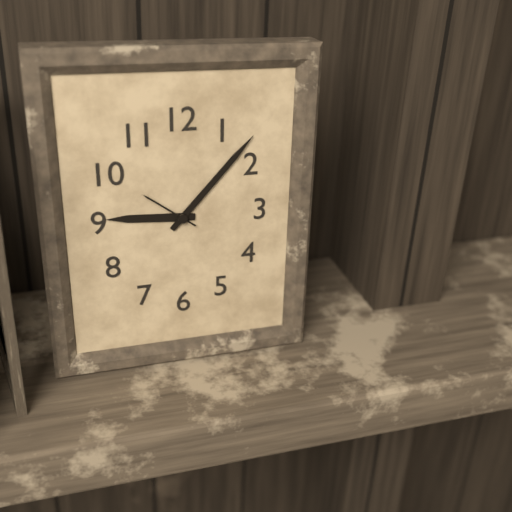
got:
h=9 m=7 s=51
